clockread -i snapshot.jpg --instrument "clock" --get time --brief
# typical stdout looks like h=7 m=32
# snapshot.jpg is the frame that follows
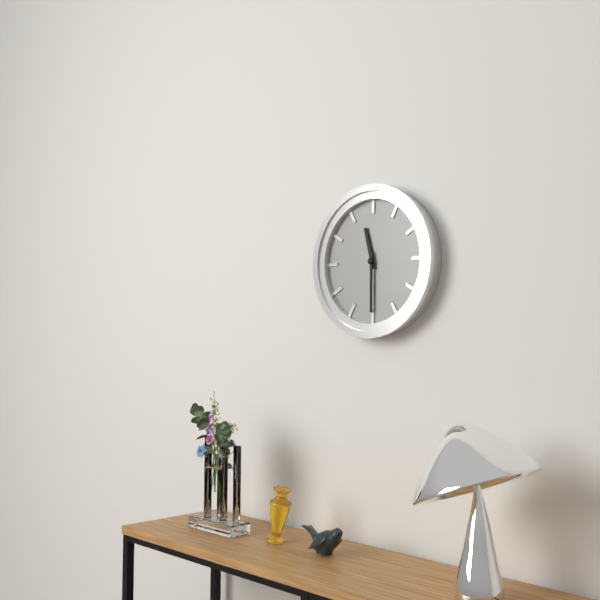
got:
h=11 m=30
